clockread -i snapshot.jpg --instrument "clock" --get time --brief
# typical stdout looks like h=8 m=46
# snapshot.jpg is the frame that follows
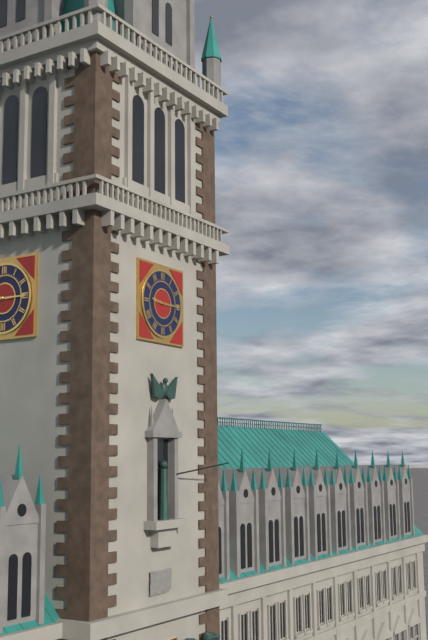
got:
h=9 m=15
